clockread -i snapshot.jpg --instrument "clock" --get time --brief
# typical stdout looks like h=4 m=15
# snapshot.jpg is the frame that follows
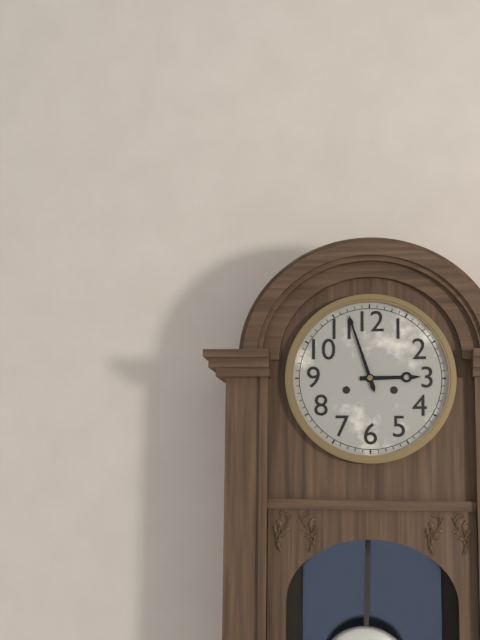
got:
h=2 m=57
